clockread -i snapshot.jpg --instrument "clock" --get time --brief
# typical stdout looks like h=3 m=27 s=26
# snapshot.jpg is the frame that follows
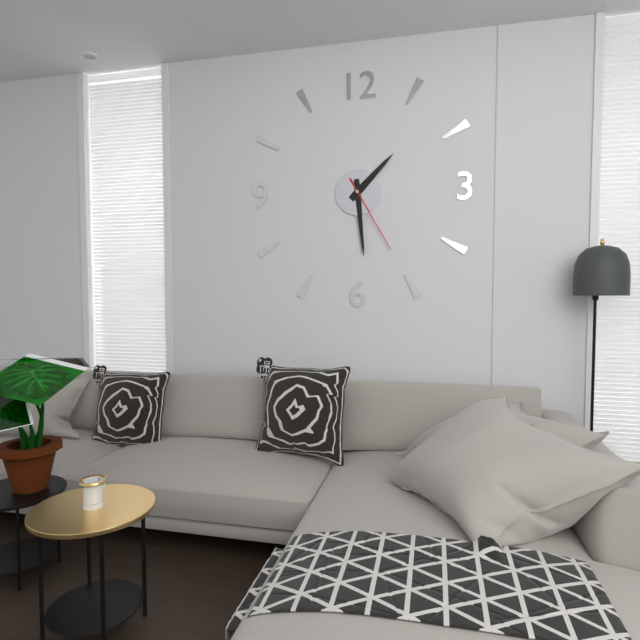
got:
h=1 m=29 s=25
